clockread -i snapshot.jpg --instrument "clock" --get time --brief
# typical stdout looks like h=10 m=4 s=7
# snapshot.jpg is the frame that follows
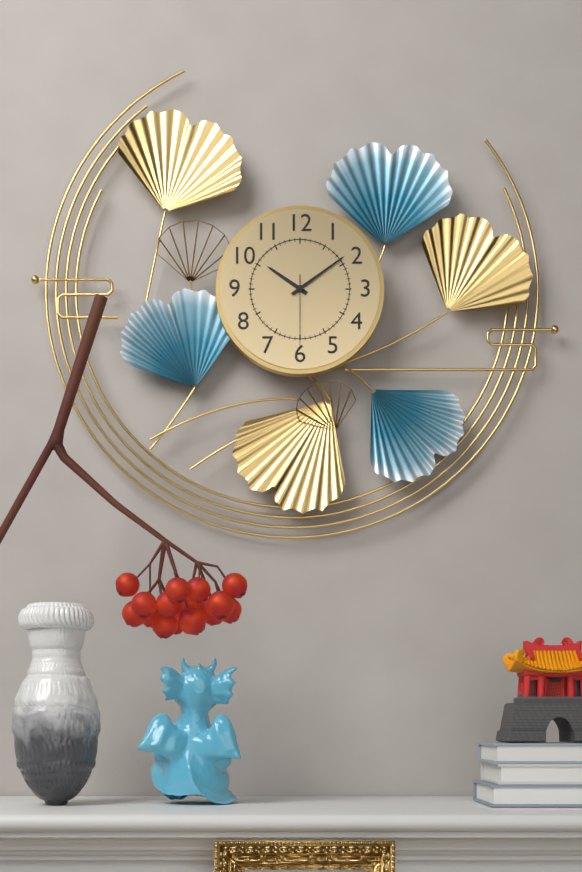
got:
h=10 m=9 s=30
